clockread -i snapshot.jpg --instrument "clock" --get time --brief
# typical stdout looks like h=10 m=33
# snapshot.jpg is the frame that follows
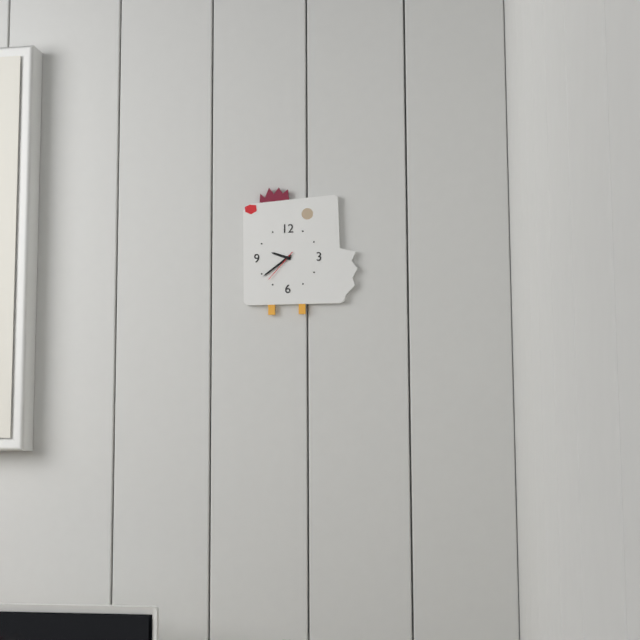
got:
h=9 m=39
